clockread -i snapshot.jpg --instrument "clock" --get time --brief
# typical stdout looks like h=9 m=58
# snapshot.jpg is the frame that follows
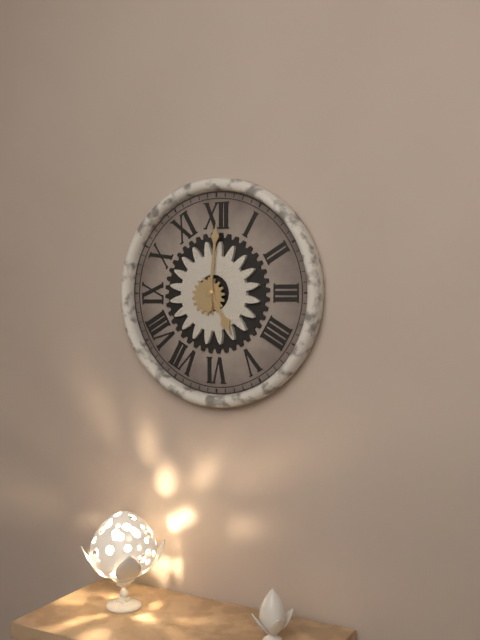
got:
h=5 m=1
